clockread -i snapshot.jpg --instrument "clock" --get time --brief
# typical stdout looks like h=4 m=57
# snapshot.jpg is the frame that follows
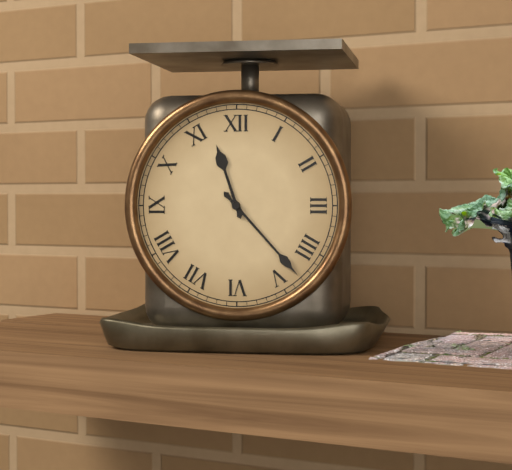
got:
h=11 m=23
